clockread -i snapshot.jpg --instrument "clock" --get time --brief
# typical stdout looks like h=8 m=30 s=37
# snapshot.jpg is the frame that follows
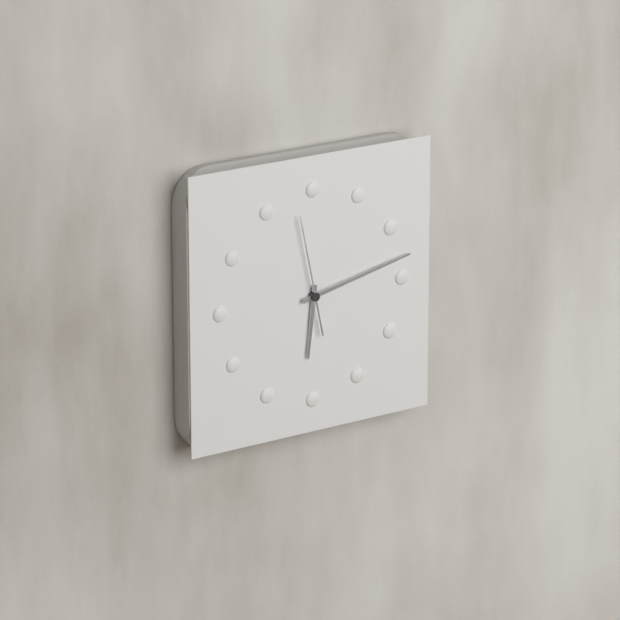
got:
h=6 m=13 s=58
